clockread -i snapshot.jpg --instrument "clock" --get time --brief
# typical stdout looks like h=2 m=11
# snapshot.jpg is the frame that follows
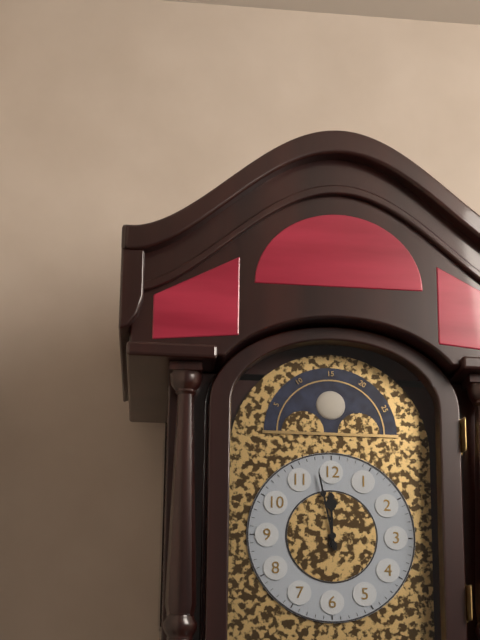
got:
h=11 m=58
